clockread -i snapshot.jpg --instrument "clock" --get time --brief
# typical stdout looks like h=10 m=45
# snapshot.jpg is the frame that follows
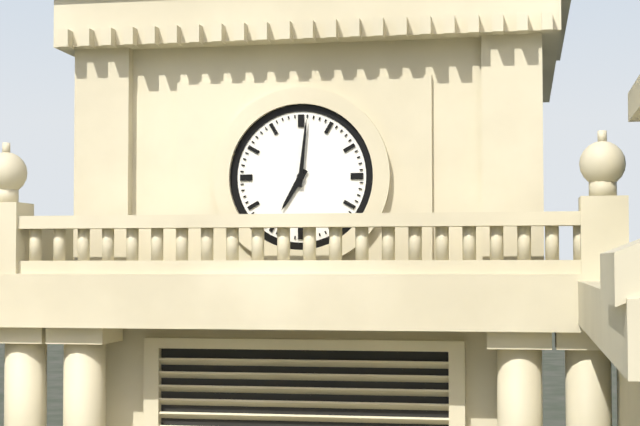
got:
h=7 m=1
